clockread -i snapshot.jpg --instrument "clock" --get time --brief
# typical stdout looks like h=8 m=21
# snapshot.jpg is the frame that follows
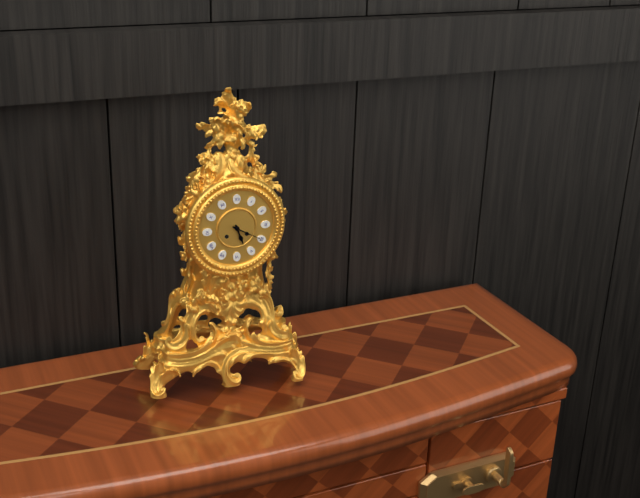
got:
h=5 m=20
